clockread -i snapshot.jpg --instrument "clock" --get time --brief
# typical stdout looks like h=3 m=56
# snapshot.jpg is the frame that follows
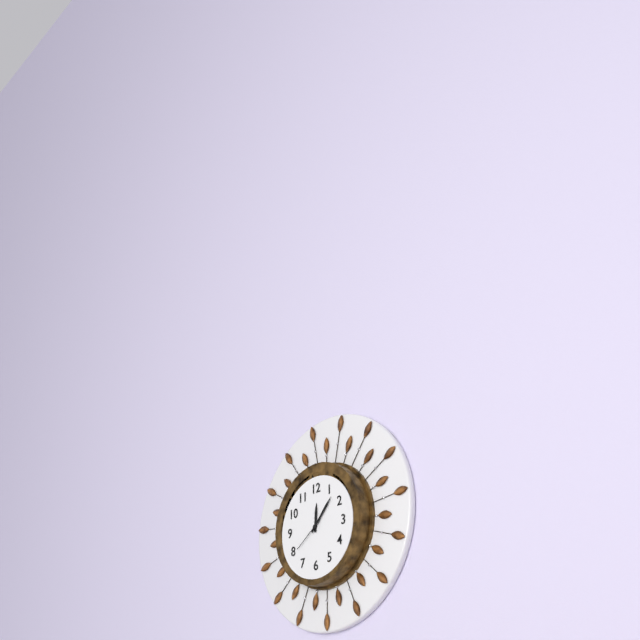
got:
h=12 m=7
